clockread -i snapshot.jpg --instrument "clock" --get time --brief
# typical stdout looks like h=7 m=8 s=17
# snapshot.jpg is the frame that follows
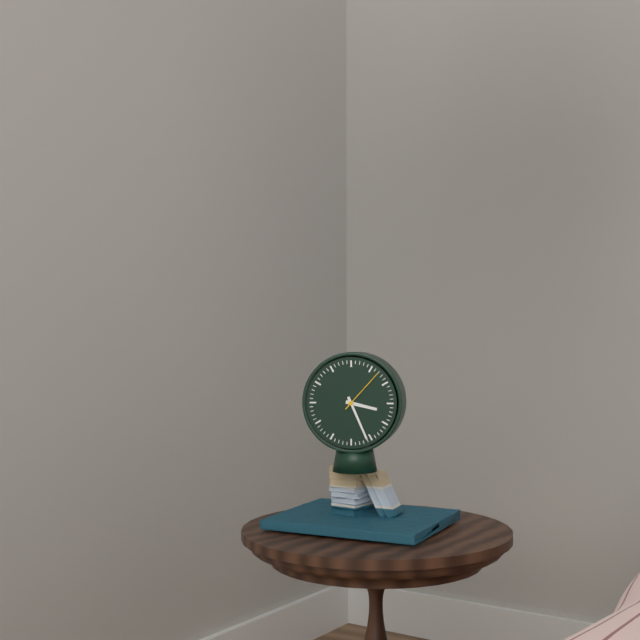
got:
h=3 m=26 s=7
